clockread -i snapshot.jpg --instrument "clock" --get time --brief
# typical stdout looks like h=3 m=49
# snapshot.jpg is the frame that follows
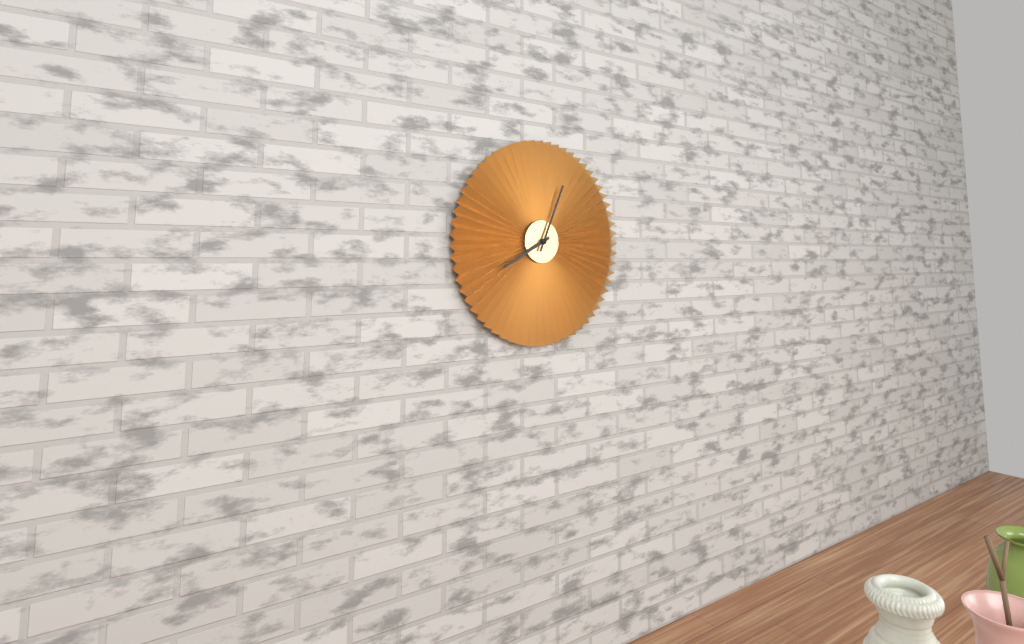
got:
h=8 m=4
